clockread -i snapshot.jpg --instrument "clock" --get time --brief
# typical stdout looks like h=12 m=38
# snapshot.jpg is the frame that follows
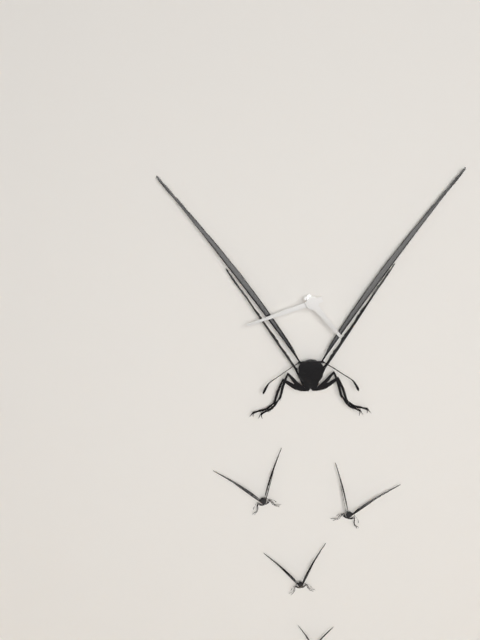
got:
h=4 m=42
